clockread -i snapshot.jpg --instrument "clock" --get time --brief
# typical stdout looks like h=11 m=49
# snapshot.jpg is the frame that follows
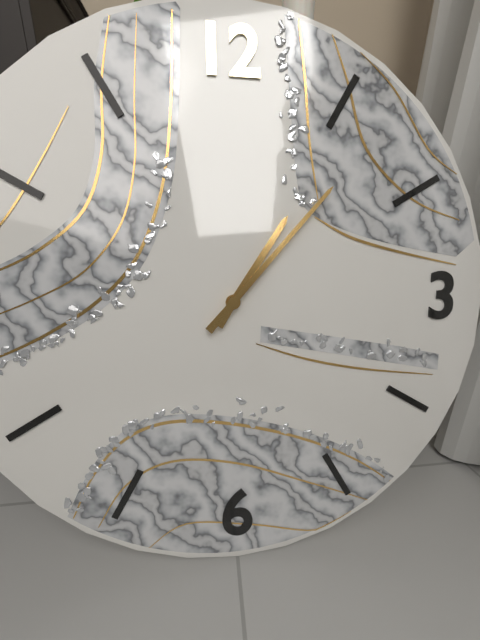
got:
h=1 m=7
